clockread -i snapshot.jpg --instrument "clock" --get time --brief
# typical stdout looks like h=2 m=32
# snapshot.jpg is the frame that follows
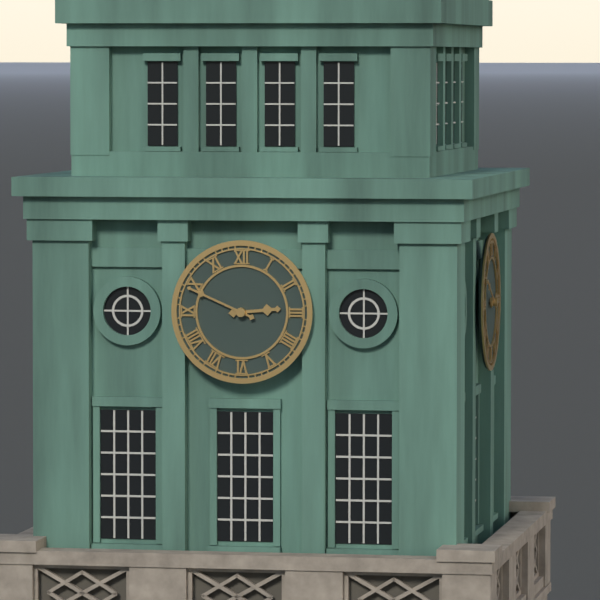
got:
h=2 m=49
